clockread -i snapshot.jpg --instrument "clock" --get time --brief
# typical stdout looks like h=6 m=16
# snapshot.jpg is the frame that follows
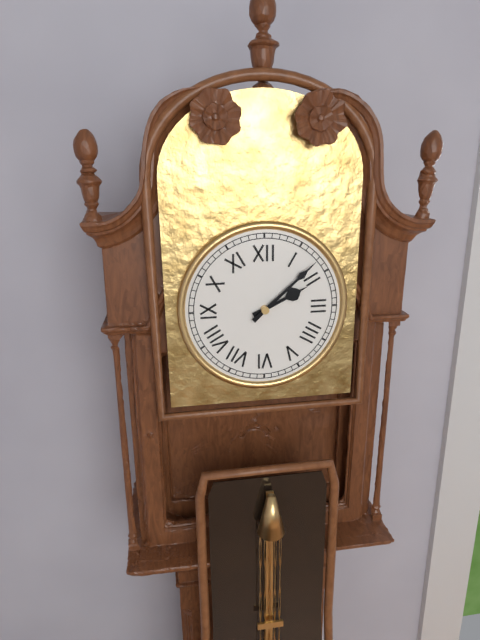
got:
h=2 m=8
